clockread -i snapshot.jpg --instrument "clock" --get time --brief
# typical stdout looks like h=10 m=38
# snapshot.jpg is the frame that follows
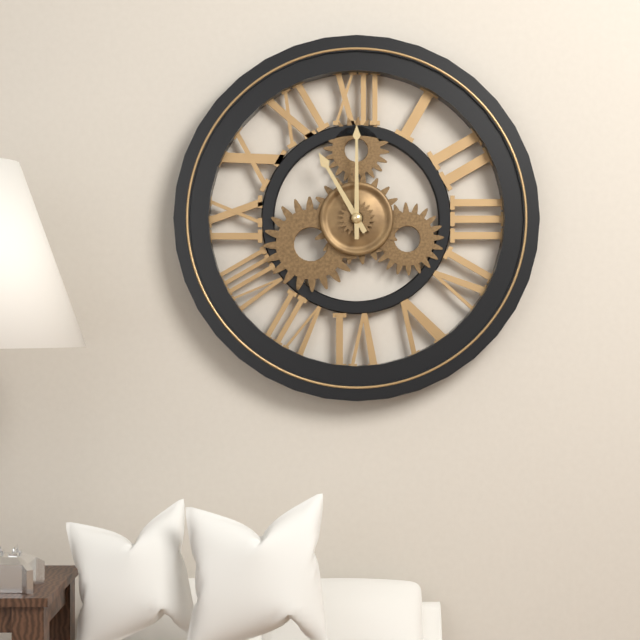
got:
h=11 m=0
